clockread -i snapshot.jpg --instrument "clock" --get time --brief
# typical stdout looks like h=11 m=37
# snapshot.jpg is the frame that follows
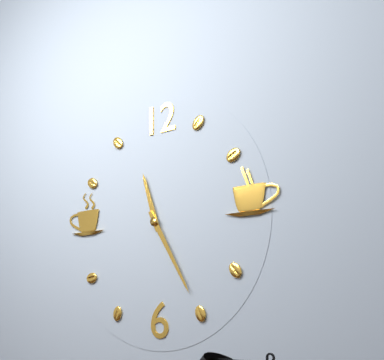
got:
h=11 m=25
